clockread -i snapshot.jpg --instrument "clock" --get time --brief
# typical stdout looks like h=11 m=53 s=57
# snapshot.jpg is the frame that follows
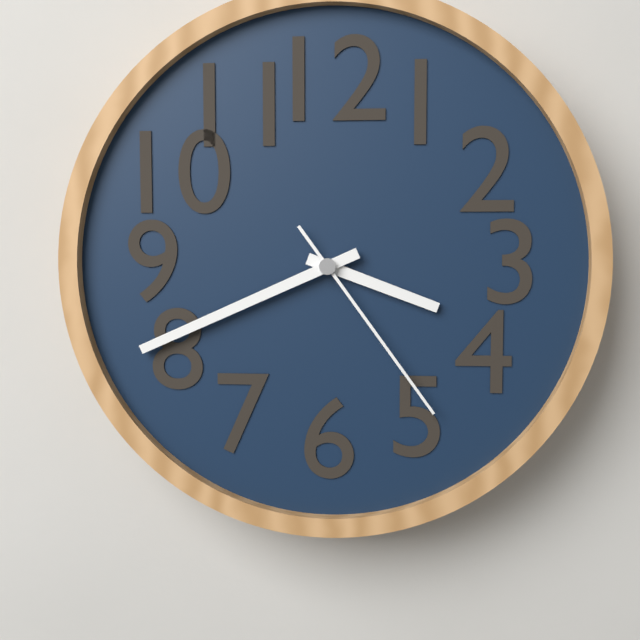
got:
h=3 m=41 s=24
